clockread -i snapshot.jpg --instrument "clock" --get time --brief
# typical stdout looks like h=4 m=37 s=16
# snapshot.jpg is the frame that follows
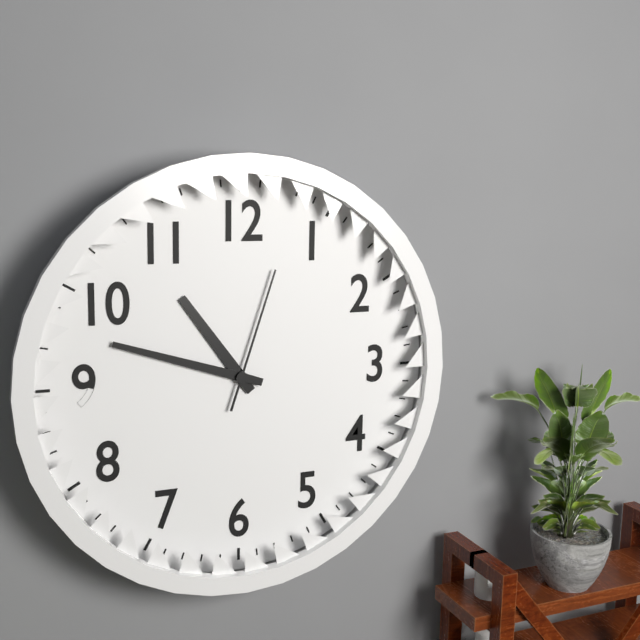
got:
h=10 m=48 s=3
